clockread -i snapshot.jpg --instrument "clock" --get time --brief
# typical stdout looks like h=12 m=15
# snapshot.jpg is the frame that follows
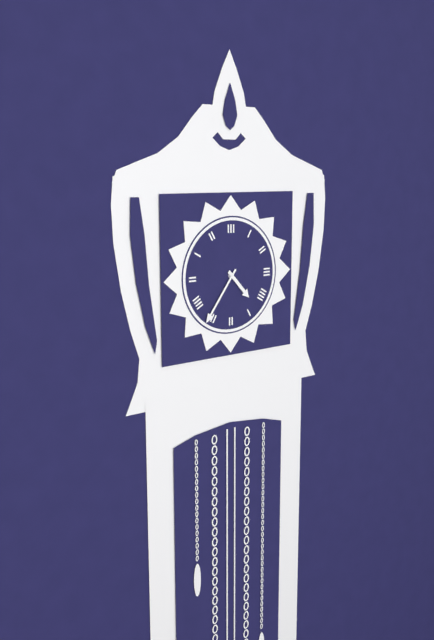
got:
h=4 m=36
